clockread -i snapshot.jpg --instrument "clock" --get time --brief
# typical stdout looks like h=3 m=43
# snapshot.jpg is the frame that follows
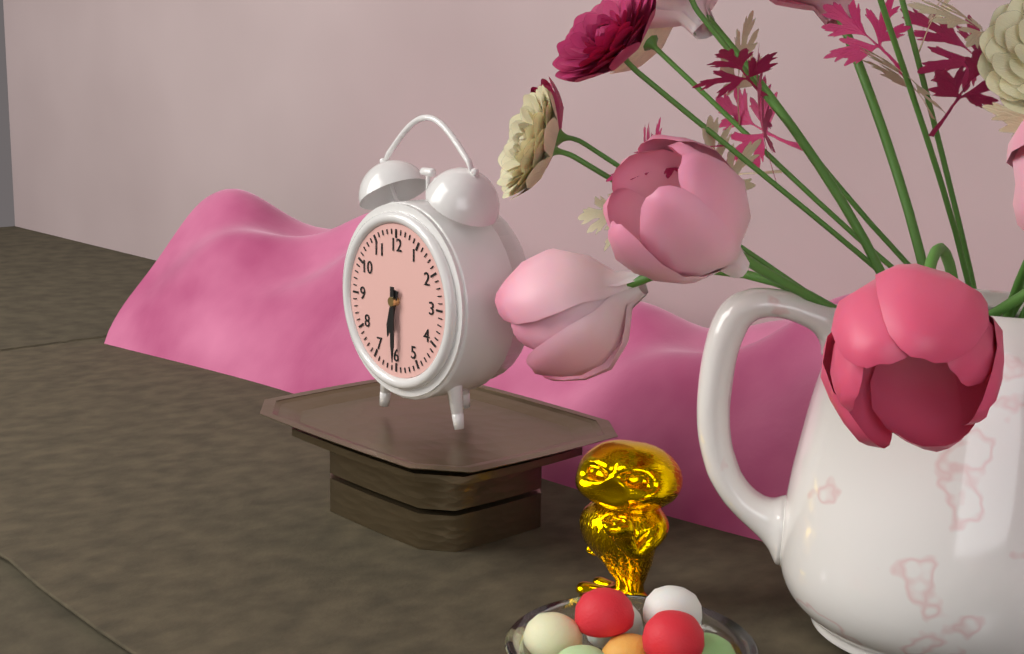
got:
h=6 m=30
